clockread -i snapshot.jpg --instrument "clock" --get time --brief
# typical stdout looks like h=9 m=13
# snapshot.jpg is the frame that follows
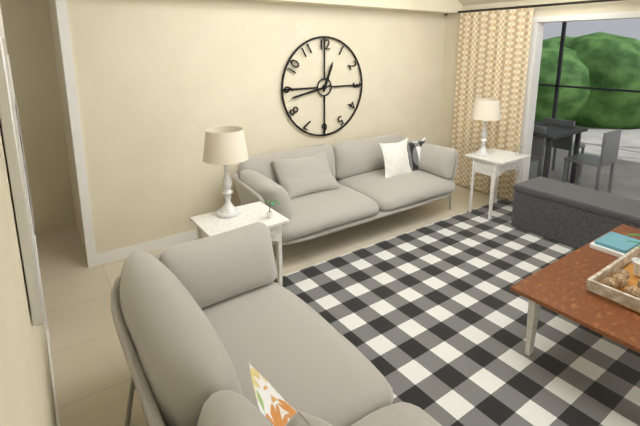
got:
h=12 m=43
